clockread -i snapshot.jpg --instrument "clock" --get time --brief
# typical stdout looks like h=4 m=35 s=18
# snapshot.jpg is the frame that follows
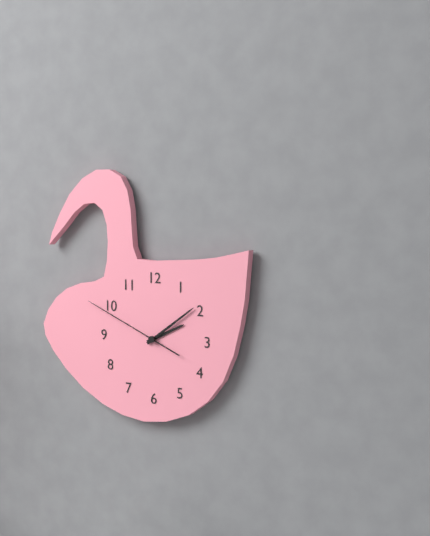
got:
h=2 m=9 s=49
